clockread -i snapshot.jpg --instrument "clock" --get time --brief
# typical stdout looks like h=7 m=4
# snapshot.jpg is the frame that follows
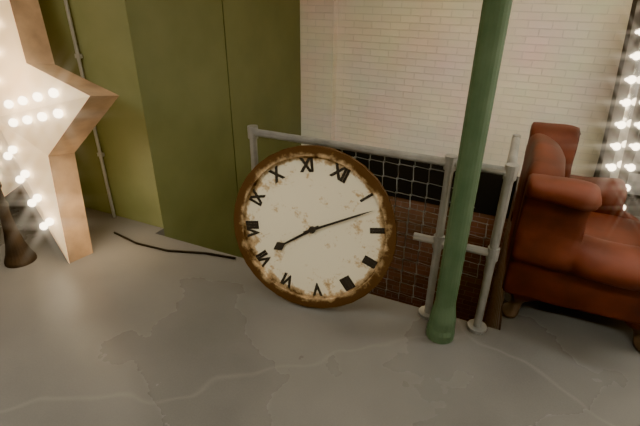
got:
h=7 m=7
